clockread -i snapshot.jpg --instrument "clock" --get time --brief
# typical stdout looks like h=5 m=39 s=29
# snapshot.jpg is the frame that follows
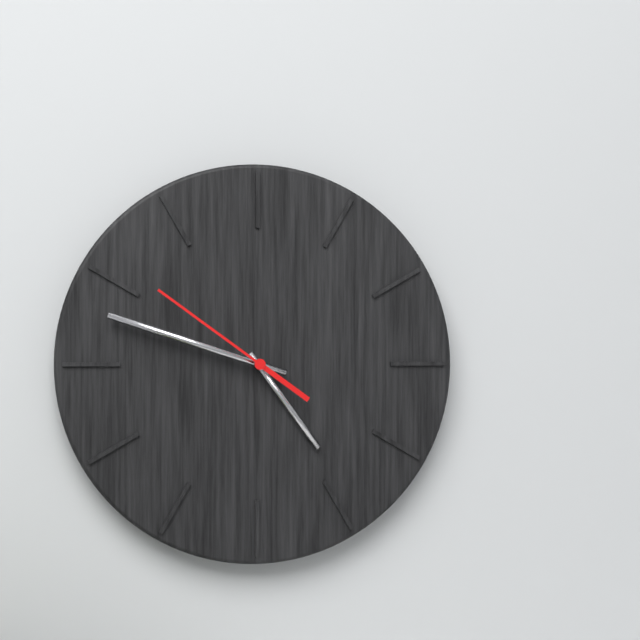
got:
h=4 m=48 s=51
